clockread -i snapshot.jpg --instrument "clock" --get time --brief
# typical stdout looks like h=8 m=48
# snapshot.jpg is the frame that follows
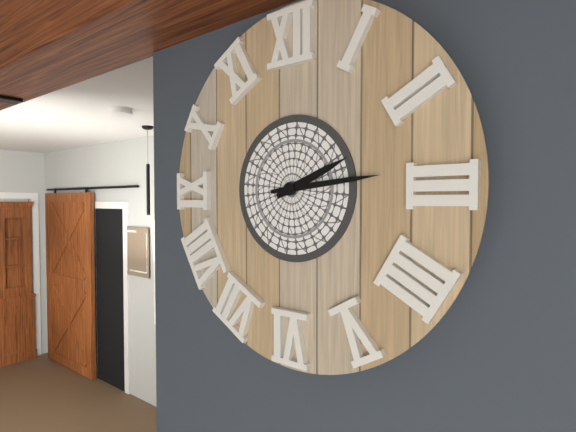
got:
h=2 m=14
